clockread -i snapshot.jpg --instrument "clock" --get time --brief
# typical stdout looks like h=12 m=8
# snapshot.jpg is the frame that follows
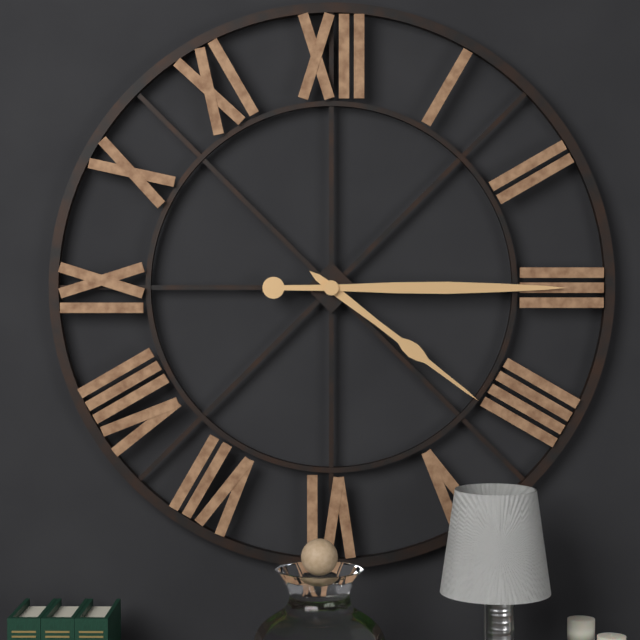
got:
h=4 m=15
